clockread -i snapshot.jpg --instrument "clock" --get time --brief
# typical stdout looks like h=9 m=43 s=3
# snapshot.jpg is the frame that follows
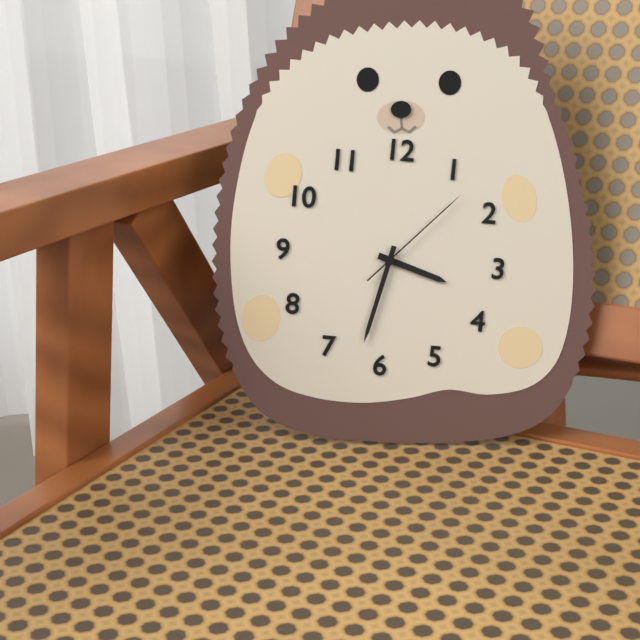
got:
h=3 m=32 s=7
